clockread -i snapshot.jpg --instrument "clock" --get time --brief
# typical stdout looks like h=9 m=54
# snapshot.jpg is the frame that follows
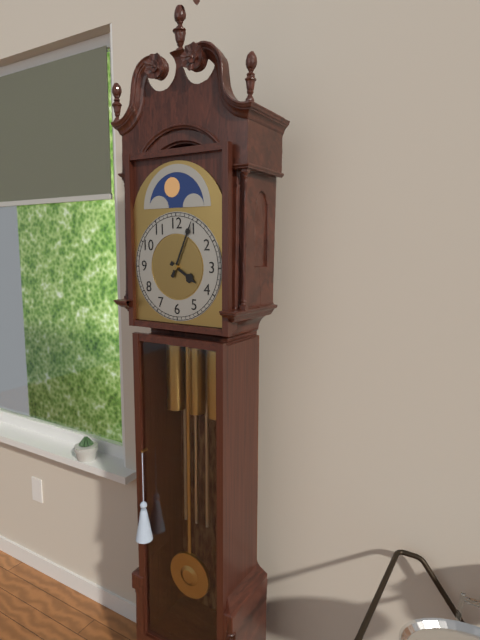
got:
h=4 m=4
